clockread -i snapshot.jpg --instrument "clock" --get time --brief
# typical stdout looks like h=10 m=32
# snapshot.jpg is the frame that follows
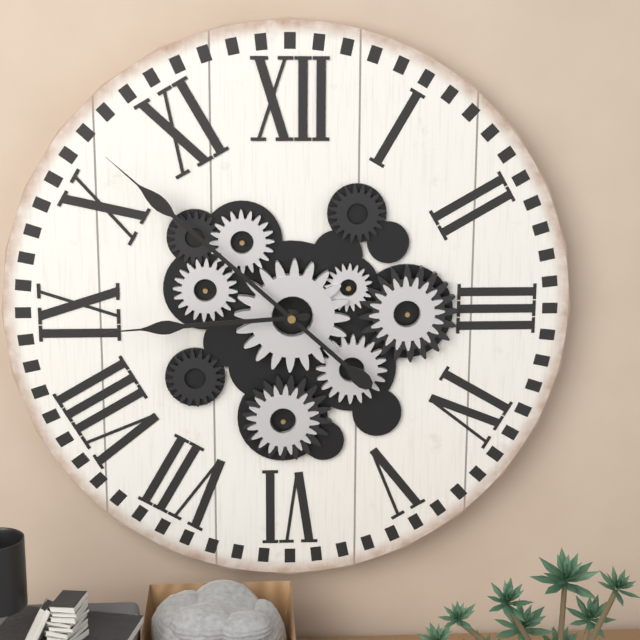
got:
h=8 m=52
